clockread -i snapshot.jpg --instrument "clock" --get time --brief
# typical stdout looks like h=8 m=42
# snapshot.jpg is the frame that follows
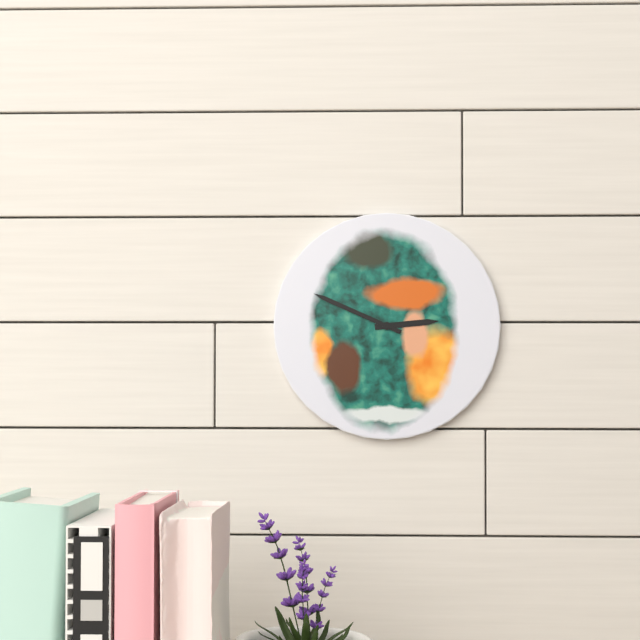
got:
h=2 m=49
